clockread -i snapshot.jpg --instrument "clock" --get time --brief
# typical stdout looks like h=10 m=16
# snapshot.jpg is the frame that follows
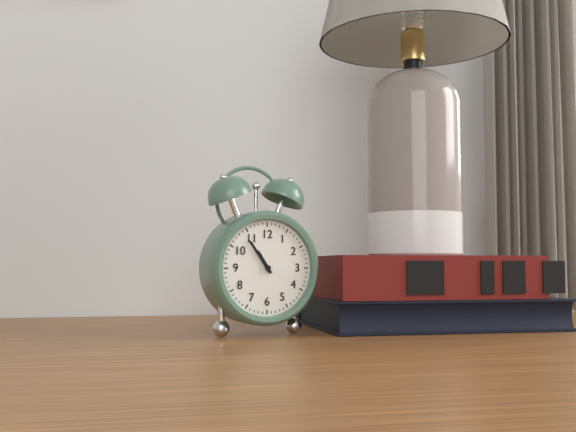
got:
h=10 m=54
